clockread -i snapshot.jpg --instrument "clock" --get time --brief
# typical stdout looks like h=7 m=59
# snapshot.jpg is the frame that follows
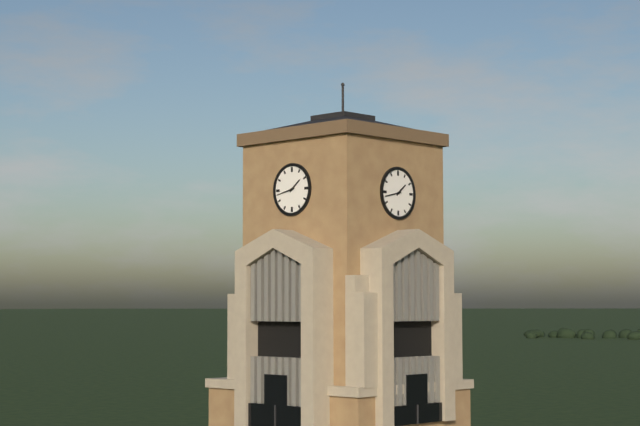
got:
h=1 m=43
